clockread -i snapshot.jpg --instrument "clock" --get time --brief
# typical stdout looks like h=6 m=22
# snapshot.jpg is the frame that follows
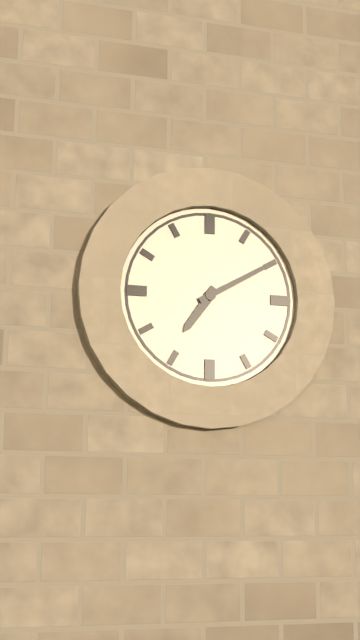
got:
h=7 m=10
